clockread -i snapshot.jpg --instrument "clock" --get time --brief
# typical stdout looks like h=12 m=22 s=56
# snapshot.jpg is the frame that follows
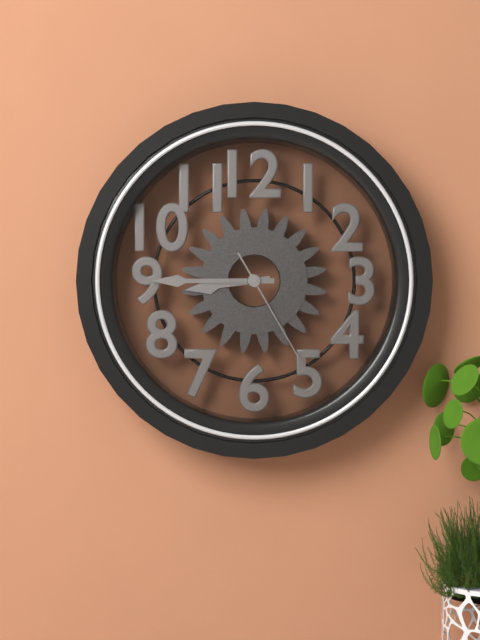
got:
h=8 m=45 s=25
